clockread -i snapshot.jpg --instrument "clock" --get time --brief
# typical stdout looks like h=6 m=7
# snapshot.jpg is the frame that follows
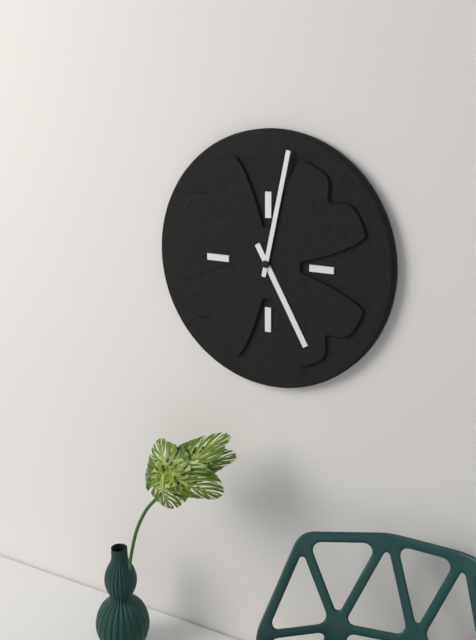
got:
h=5 m=2
